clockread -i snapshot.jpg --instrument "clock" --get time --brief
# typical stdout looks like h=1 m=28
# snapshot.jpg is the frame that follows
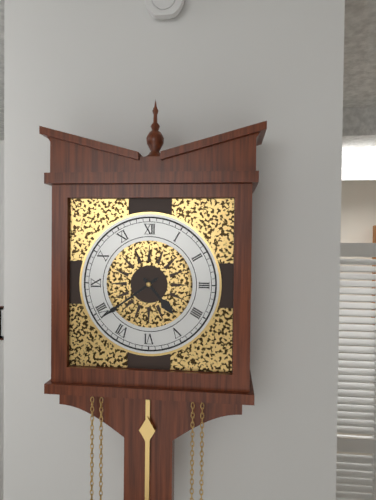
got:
h=4 m=39
